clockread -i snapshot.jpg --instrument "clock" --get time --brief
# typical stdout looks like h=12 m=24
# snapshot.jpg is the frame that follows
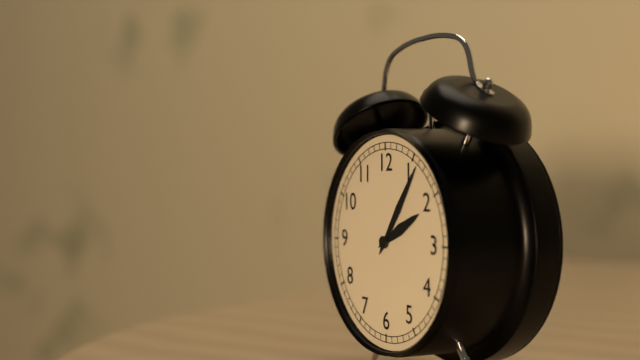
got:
h=2 m=6
